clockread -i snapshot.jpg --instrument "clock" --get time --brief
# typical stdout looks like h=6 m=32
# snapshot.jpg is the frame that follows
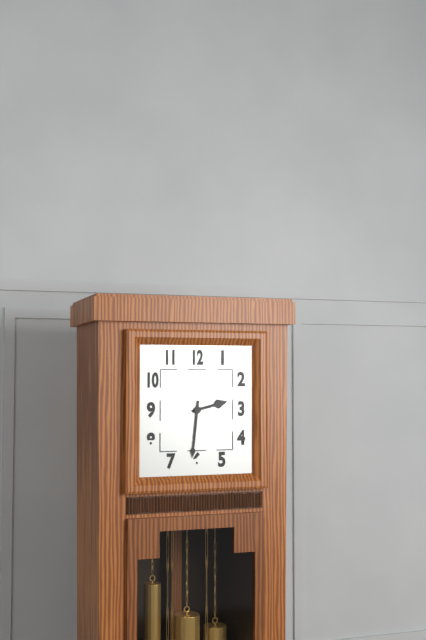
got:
h=2 m=31
